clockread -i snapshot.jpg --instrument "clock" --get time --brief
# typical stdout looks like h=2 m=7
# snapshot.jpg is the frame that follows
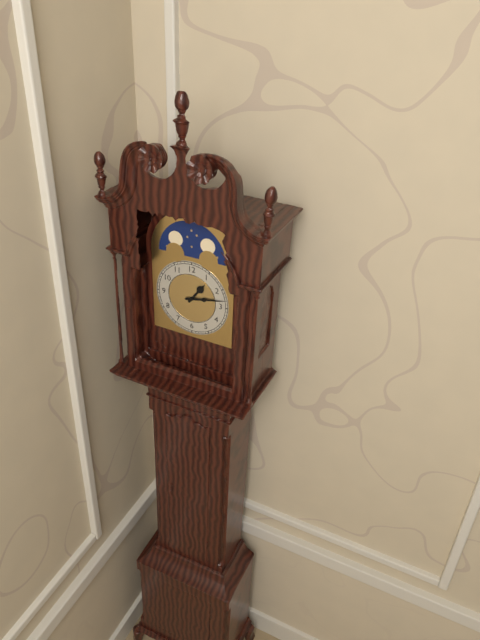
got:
h=1 m=13
